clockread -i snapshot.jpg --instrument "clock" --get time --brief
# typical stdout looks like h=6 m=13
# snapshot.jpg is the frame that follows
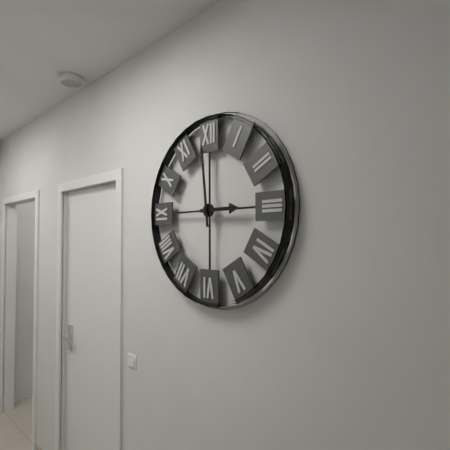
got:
h=2 m=59
